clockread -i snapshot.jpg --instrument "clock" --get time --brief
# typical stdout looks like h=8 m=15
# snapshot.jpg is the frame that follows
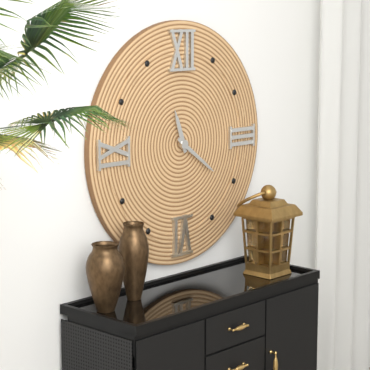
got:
h=11 m=21
